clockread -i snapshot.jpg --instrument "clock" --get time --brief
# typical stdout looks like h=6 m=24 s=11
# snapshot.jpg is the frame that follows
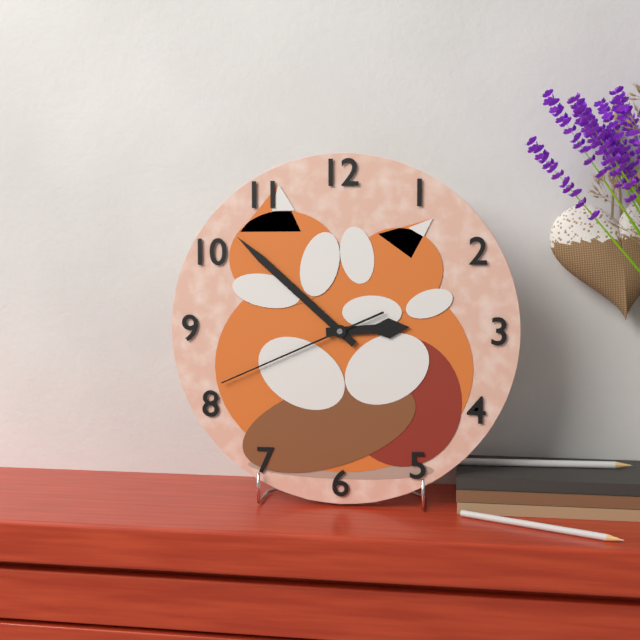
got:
h=2 m=52 s=41
